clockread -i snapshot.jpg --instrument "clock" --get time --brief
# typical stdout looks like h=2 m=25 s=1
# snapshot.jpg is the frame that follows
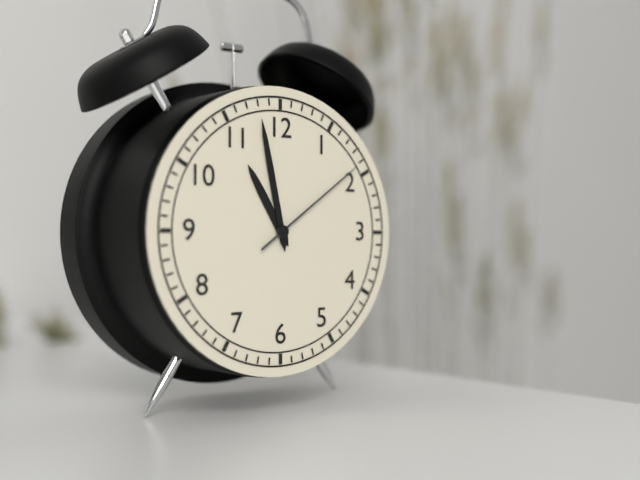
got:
h=10 m=58 s=9
